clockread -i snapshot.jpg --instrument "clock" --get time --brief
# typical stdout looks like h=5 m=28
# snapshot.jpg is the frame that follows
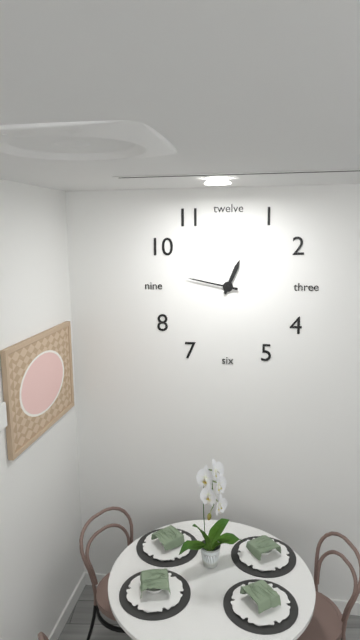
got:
h=12 m=47
